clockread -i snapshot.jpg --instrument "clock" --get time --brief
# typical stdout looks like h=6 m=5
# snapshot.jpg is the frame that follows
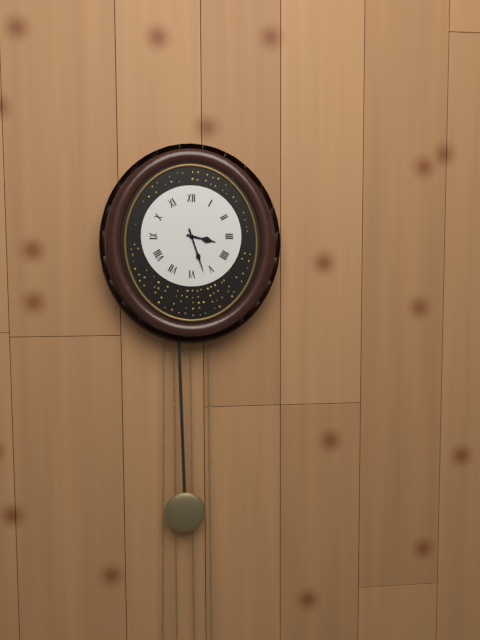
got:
h=3 m=27
